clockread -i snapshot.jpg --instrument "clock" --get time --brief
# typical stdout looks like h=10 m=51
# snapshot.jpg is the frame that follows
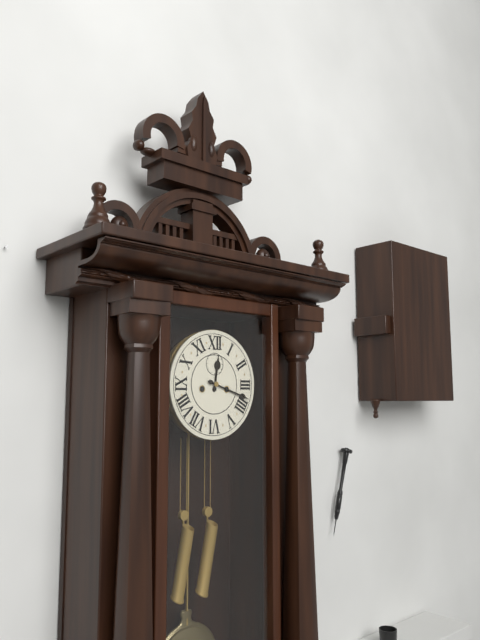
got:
h=12 m=18
